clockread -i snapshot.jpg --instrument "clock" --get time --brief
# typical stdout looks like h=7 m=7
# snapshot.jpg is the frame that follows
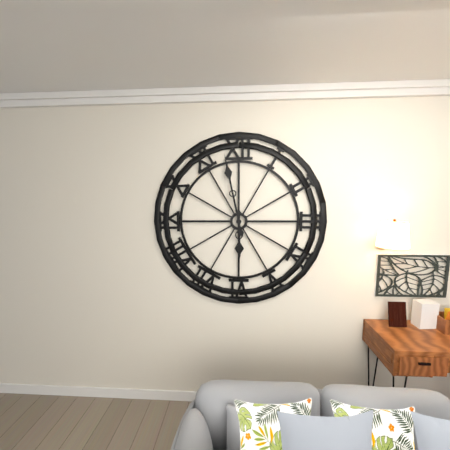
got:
h=5 m=58
